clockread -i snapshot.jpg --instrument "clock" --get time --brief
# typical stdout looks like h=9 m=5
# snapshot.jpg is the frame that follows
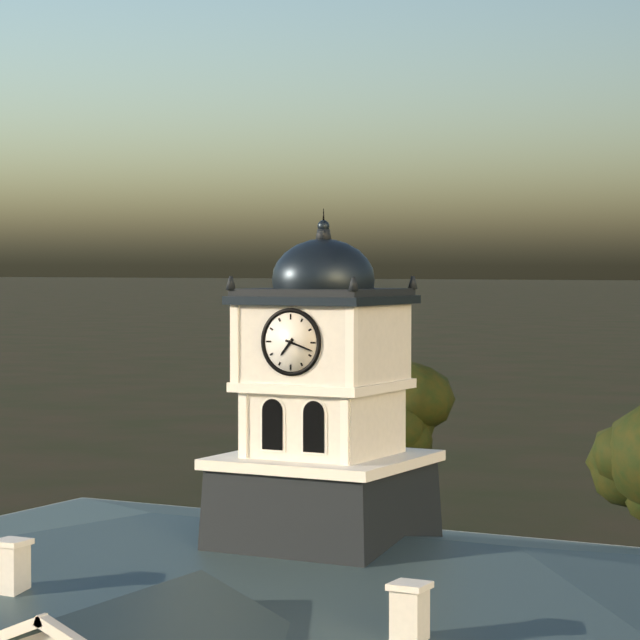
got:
h=7 m=18
